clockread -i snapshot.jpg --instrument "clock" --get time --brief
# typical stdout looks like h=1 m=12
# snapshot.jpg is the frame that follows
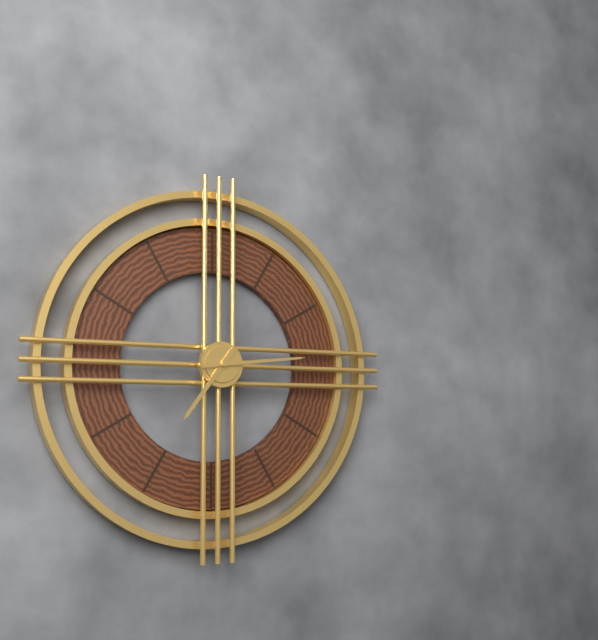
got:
h=7 m=14
